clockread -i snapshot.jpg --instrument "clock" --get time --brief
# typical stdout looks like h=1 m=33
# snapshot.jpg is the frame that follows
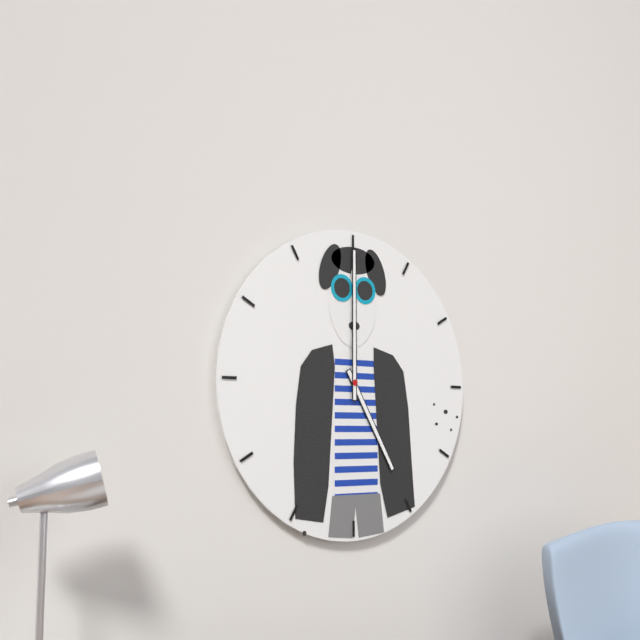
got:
h=5 m=0
